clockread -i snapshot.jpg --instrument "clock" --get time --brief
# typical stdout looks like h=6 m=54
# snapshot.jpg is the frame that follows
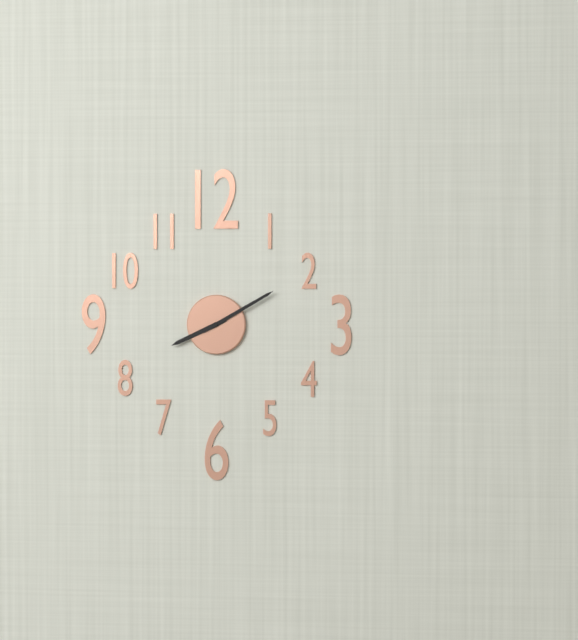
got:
h=8 m=10
